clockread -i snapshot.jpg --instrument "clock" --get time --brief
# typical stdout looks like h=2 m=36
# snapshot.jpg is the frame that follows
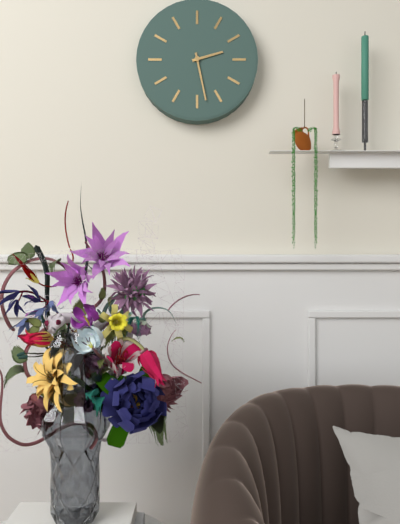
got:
h=2 m=28
